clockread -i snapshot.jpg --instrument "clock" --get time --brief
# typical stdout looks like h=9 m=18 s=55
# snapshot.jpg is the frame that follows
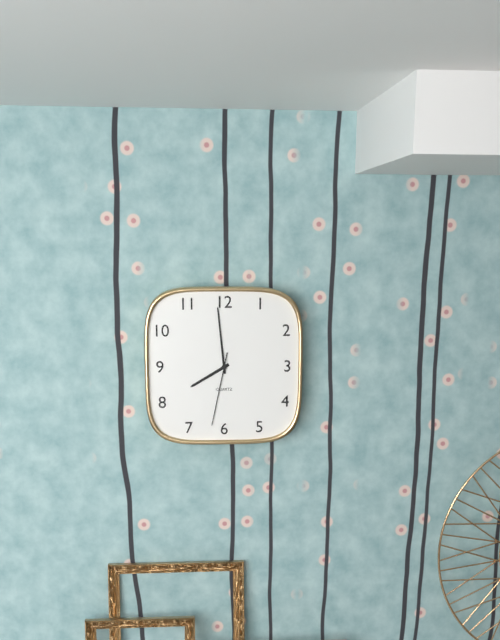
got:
h=7 m=59 s=32
